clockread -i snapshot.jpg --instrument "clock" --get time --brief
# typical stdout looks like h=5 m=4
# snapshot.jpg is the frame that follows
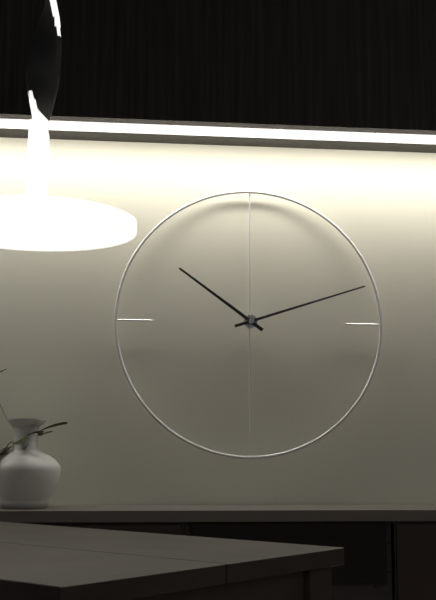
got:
h=10 m=12
